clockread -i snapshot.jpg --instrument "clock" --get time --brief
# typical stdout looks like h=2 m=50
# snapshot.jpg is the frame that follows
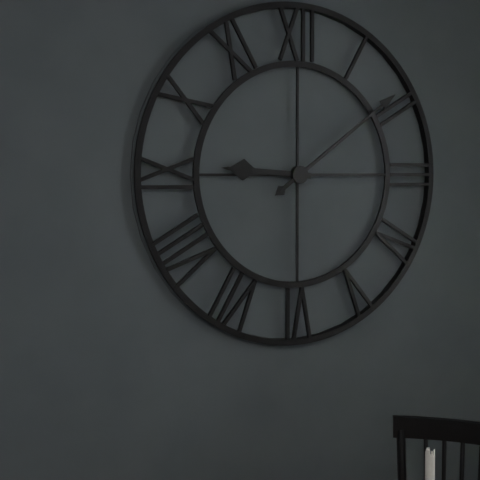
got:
h=9 m=9
